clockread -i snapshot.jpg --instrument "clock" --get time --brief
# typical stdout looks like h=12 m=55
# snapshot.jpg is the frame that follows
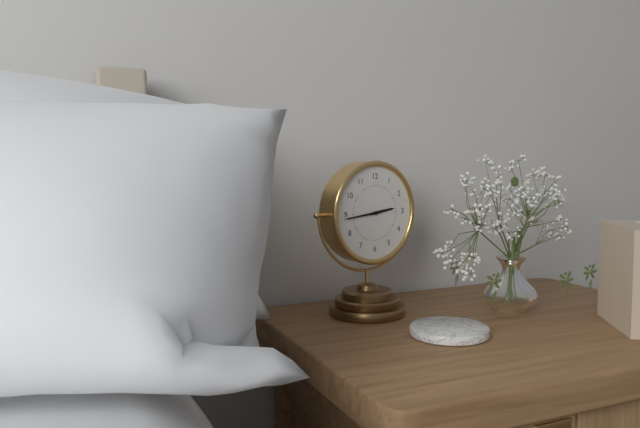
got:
h=2 m=44
